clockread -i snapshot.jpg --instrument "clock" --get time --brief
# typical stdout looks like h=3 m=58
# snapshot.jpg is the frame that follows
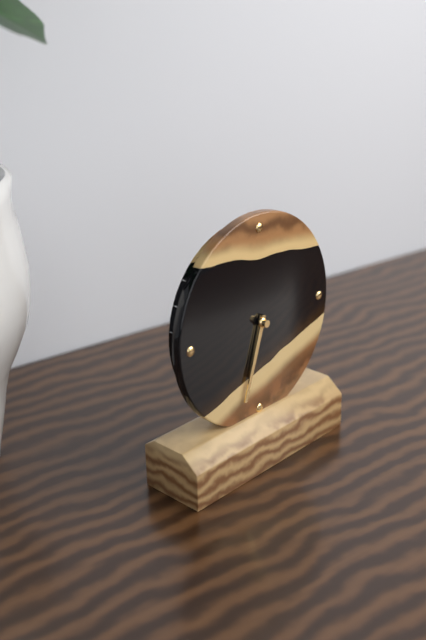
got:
h=6 m=33
